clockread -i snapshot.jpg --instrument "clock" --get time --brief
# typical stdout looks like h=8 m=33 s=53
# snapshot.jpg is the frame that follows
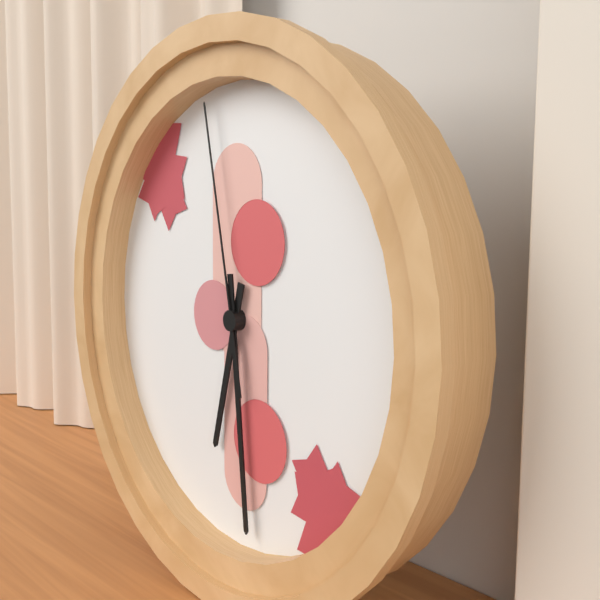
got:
h=6 m=29 s=58
